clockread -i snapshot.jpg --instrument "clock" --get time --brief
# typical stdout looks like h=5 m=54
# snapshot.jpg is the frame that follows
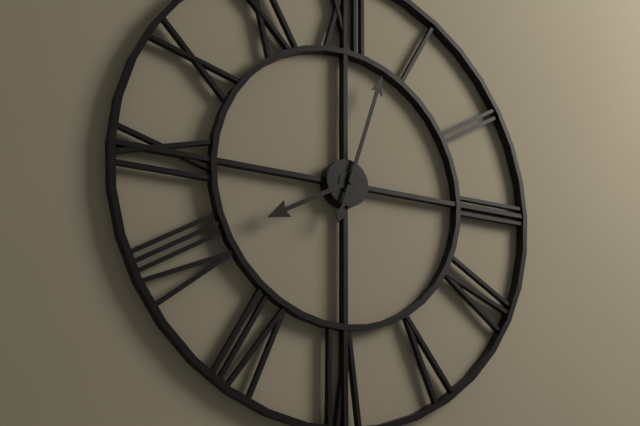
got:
h=8 m=3
